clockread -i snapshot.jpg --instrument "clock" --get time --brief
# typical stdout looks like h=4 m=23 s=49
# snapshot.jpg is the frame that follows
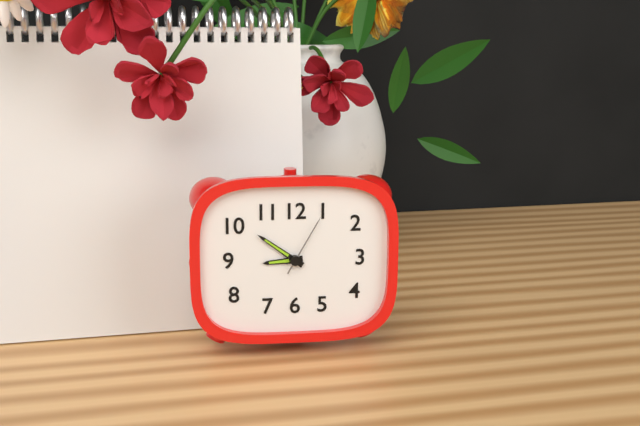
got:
h=8 m=51 s=5
